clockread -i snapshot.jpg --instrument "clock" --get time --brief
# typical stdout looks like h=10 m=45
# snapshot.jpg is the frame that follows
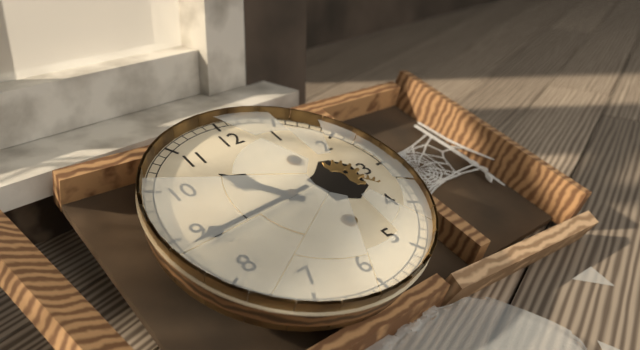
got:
h=10 m=44
